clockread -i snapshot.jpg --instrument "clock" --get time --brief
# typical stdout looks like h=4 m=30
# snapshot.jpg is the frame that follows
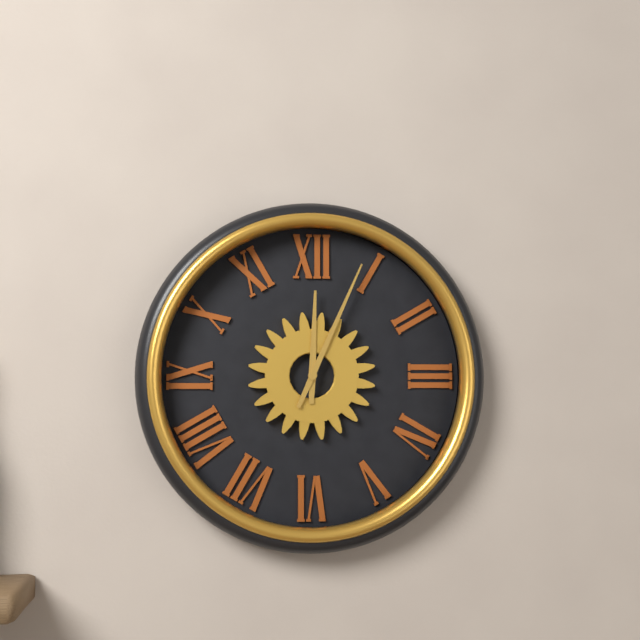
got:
h=12 m=4
